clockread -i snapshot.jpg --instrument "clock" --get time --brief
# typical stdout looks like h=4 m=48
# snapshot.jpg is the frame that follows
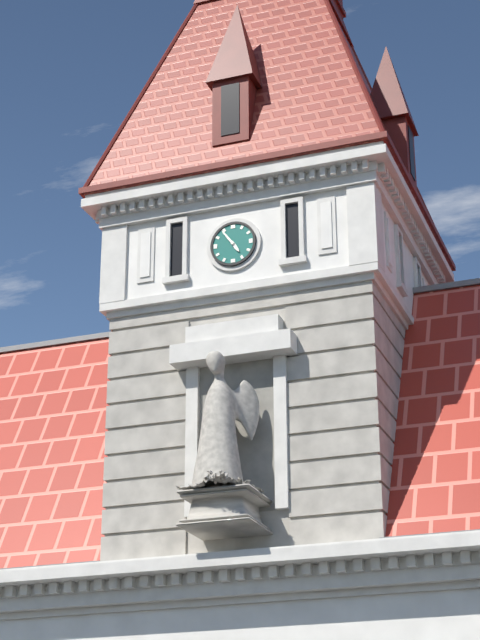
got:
h=4 m=54
